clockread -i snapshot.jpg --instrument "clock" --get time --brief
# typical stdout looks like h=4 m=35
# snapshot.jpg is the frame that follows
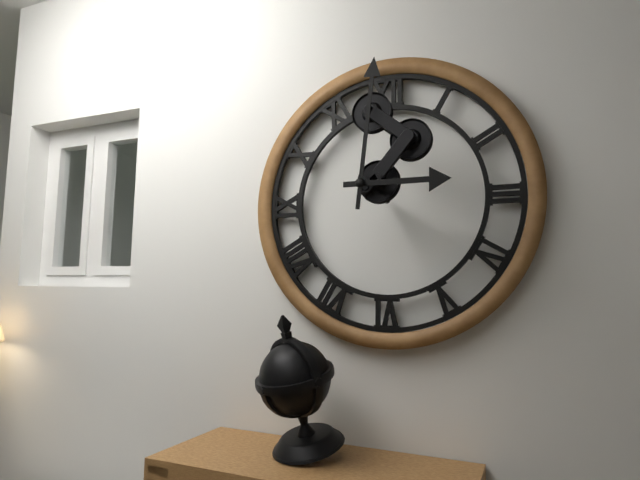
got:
h=3 m=1
